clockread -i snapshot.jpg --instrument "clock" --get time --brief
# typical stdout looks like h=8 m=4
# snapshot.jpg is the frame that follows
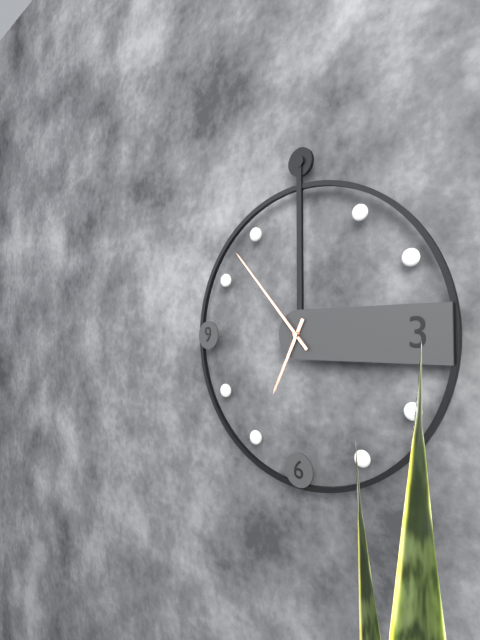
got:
h=6 m=53
